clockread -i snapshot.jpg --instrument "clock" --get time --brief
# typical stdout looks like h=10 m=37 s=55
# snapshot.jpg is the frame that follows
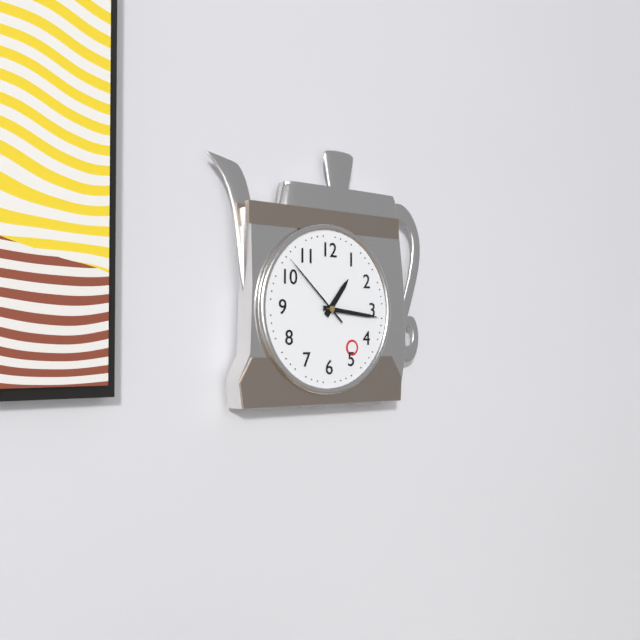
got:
h=1 m=16 s=52
